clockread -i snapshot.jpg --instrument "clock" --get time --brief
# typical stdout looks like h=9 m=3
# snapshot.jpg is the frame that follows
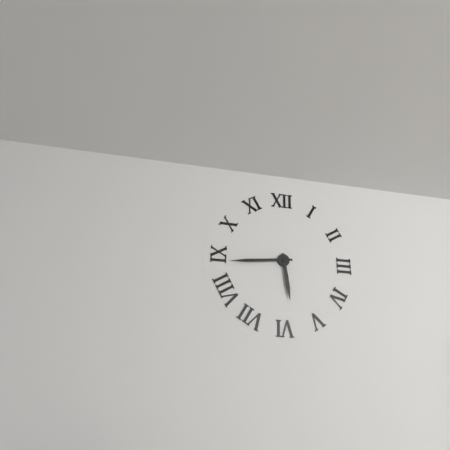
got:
h=5 m=44
